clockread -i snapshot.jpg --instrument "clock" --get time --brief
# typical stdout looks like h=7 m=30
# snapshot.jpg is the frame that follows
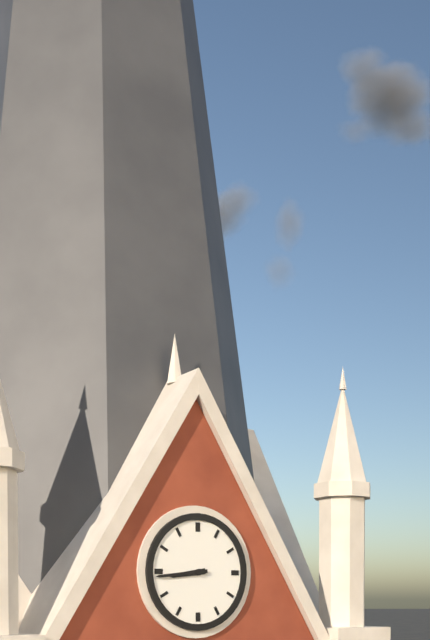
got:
h=8 m=44
